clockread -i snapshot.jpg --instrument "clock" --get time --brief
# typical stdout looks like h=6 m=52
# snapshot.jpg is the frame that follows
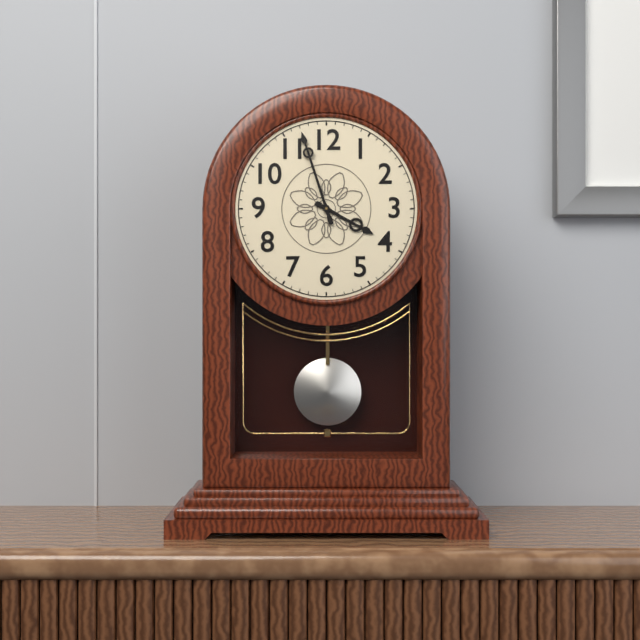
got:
h=3 m=57
